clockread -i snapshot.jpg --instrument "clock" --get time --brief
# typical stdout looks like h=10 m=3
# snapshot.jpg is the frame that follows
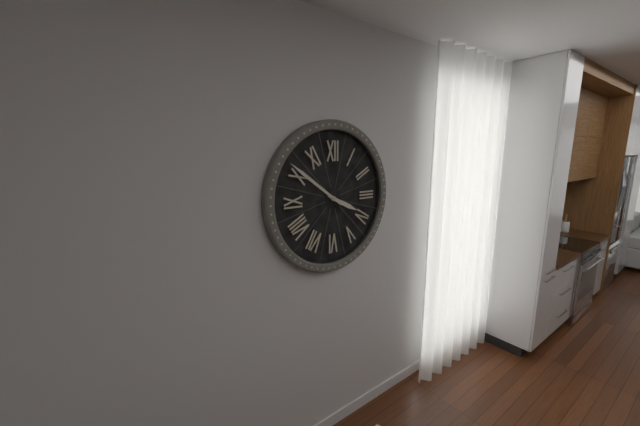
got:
h=3 m=51
